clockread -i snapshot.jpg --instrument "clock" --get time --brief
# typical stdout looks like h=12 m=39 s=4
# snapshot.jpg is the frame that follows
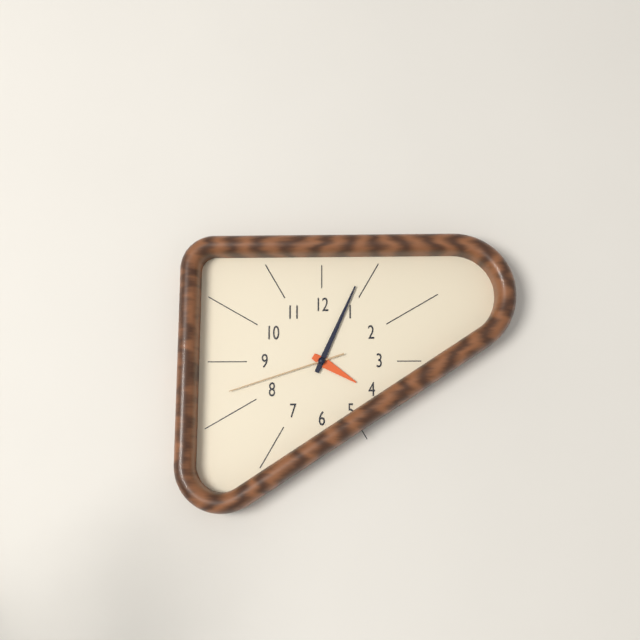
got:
h=4 m=4 s=42
